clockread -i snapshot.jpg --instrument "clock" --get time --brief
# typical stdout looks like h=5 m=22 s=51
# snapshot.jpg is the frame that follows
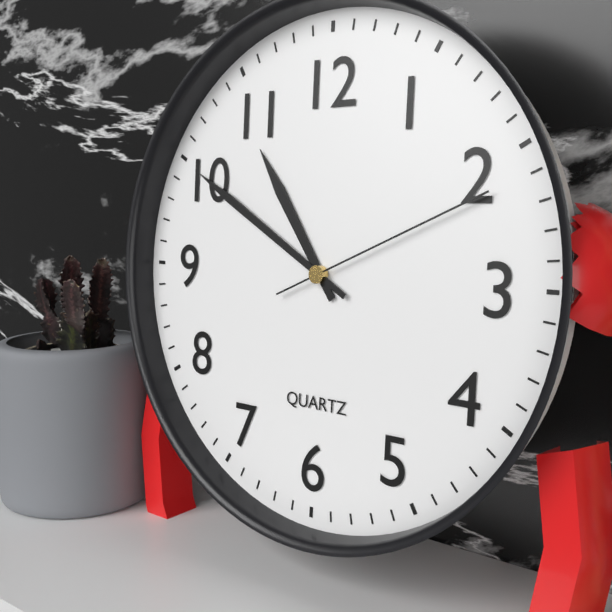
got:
h=10 m=50 s=11
